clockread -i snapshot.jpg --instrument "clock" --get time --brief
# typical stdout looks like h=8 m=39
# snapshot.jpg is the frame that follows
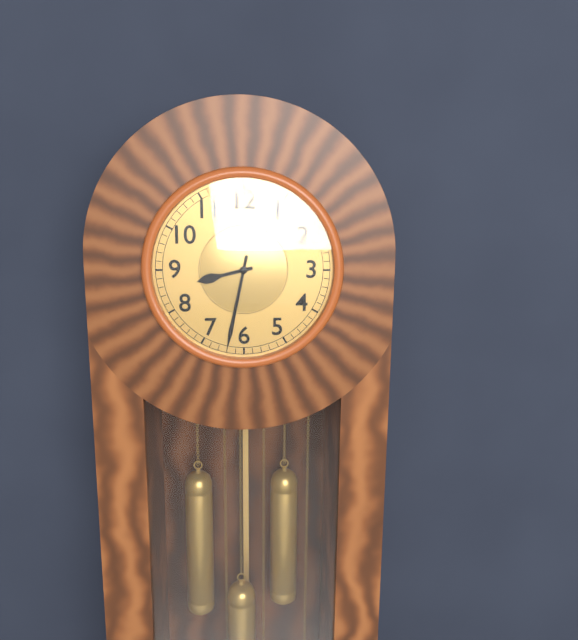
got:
h=8 m=32
